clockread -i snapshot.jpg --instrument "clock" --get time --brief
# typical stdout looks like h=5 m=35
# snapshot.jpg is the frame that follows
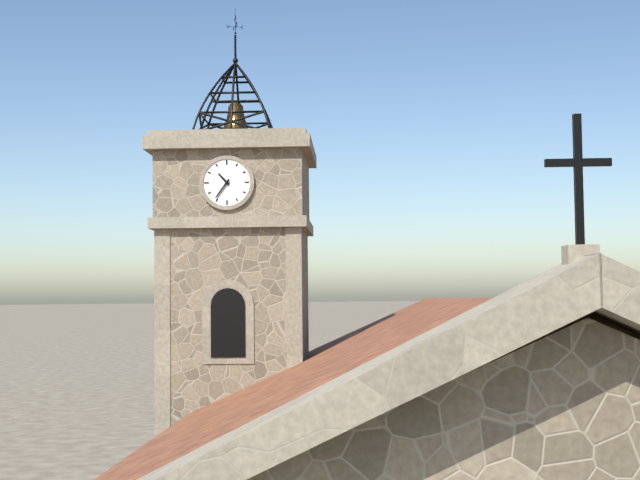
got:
h=10 m=36
